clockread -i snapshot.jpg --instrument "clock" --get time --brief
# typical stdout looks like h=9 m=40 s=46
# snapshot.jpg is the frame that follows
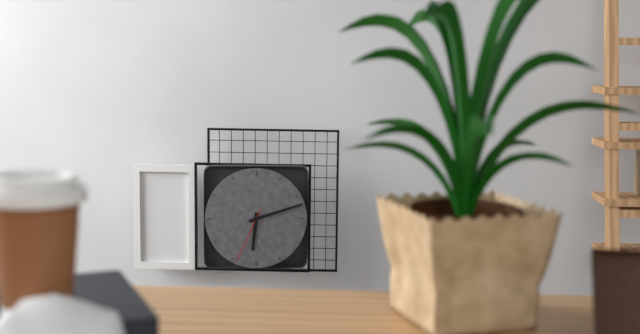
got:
h=6 m=12 s=34
